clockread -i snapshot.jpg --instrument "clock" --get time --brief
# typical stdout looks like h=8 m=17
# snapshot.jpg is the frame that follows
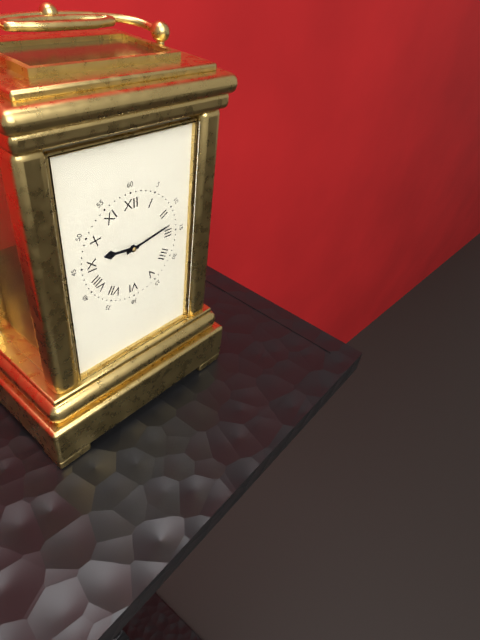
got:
h=9 m=13
